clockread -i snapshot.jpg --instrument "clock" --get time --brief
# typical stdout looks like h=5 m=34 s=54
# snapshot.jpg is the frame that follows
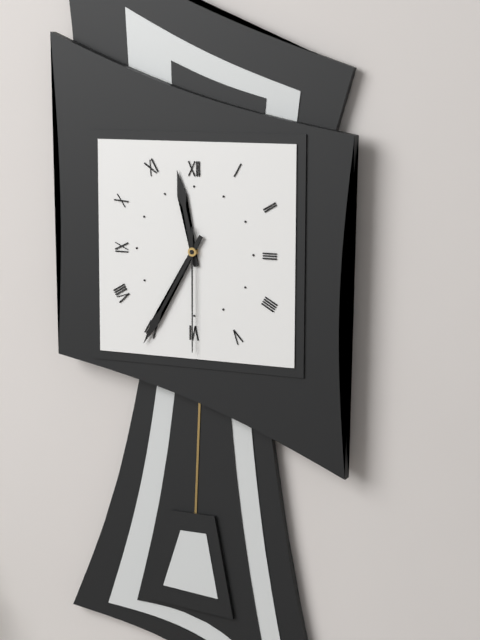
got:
h=11 m=35 s=30
